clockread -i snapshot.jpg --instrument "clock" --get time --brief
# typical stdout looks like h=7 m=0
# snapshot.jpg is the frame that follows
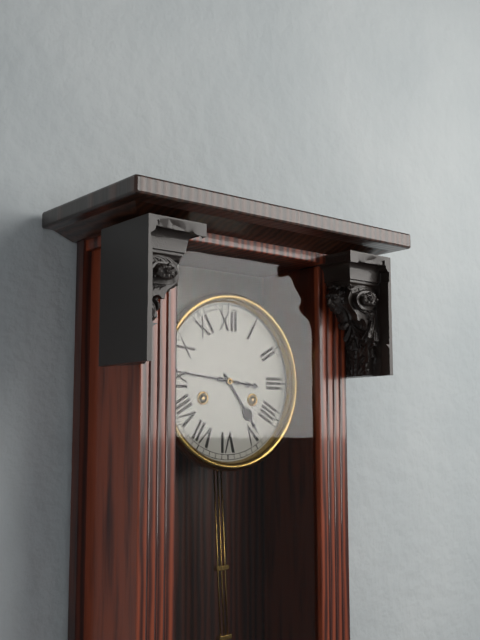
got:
h=4 m=46
